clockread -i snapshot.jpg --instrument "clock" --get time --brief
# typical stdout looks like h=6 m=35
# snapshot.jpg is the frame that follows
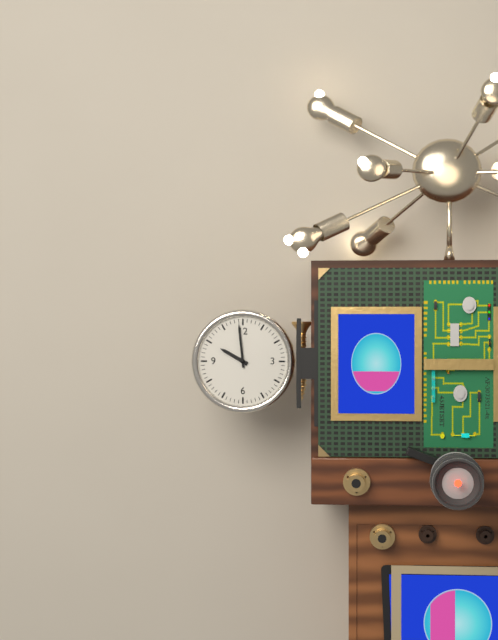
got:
h=9 m=59
